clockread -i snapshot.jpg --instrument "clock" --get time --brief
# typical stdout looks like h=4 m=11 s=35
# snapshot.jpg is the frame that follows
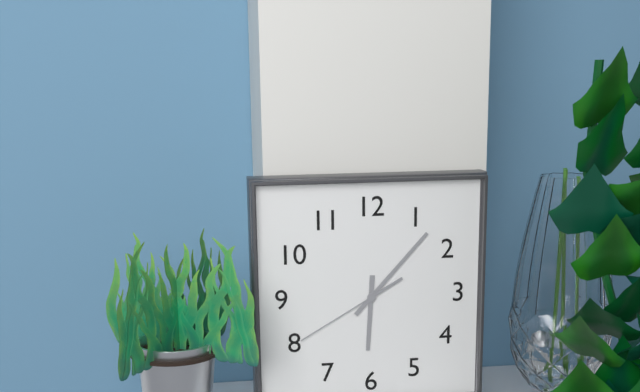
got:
h=6 m=7 s=40
